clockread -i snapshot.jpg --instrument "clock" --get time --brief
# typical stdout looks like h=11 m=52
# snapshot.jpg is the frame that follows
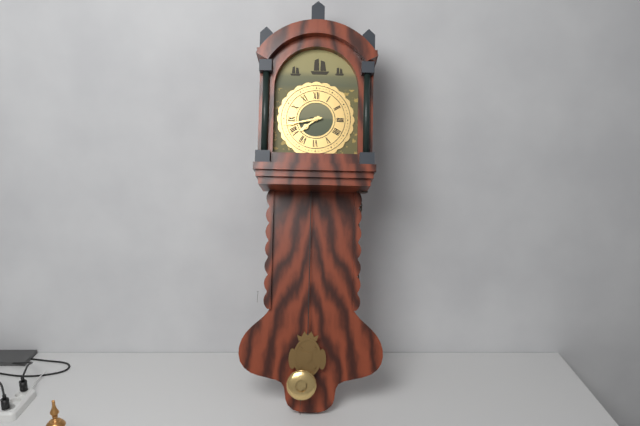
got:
h=7 m=43
